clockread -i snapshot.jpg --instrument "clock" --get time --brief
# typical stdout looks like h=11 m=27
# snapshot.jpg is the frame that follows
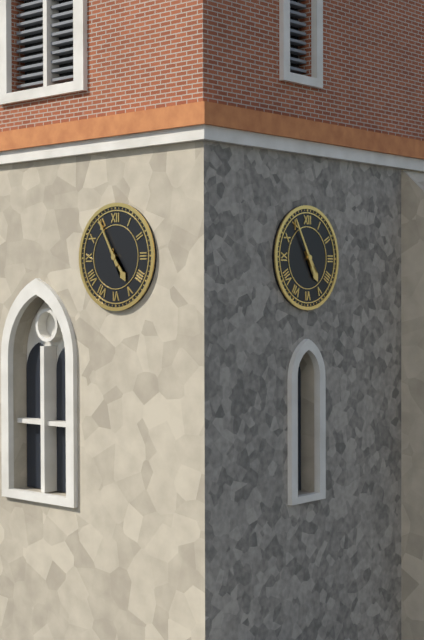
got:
h=4 m=55
